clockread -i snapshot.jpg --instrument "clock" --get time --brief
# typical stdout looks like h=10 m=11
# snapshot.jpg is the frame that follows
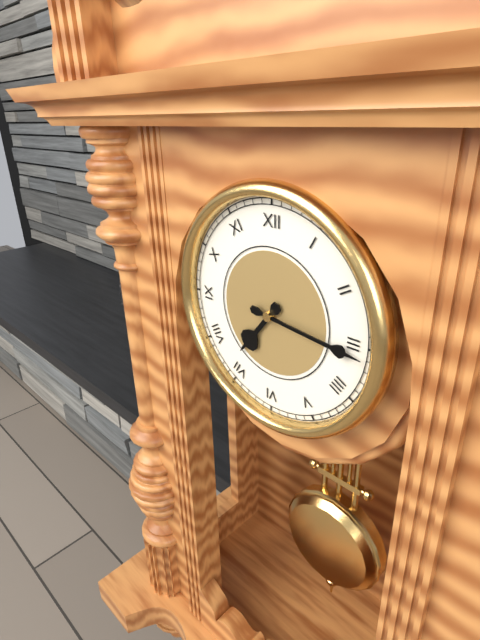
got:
h=7 m=16
